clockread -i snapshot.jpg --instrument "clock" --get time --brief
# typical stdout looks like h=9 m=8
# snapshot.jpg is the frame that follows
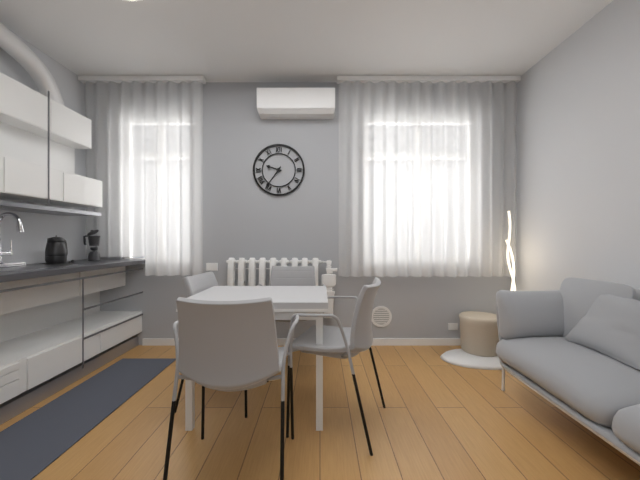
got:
h=9 m=36
